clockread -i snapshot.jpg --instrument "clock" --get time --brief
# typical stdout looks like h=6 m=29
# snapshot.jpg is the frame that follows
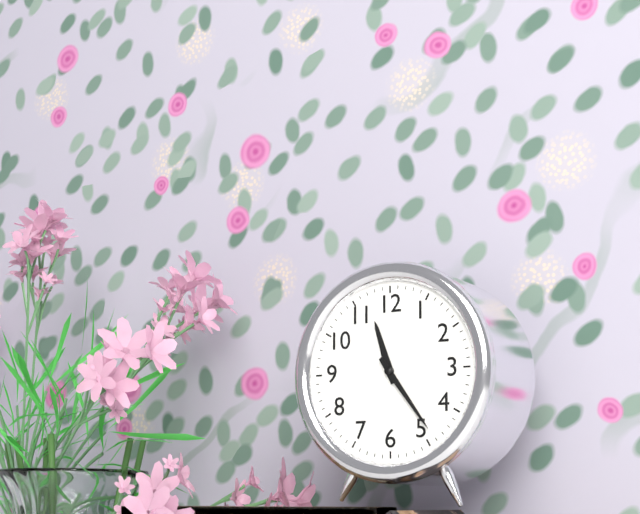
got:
h=11 m=24
